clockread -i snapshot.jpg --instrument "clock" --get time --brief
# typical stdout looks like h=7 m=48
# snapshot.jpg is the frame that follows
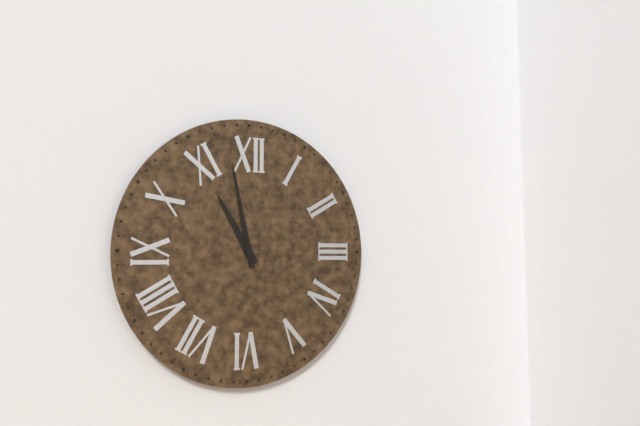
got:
h=10 m=58
